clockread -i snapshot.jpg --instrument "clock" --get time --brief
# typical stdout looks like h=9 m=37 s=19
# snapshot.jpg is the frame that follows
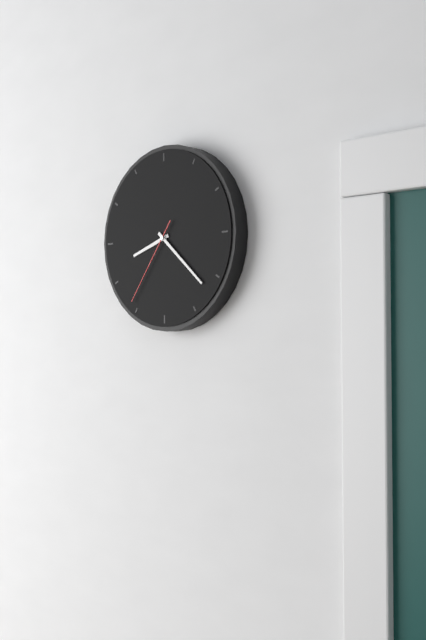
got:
h=8 m=22 s=36
